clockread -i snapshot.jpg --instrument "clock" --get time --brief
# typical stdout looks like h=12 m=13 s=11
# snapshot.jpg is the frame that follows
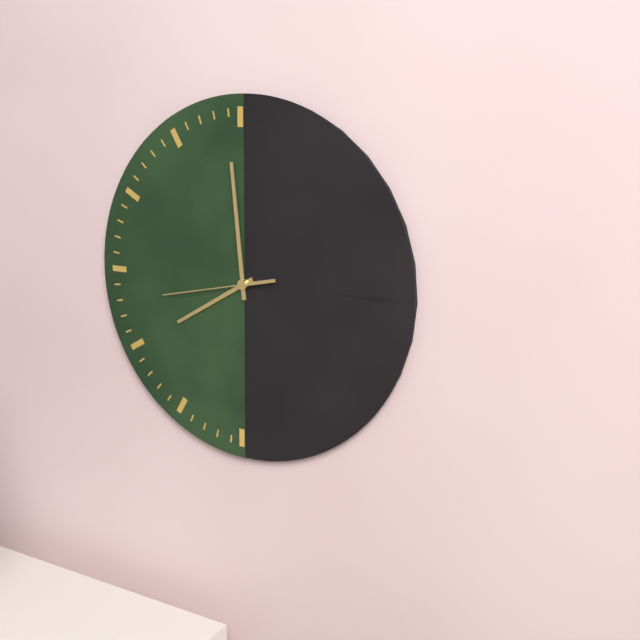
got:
h=7 m=59 s=43
